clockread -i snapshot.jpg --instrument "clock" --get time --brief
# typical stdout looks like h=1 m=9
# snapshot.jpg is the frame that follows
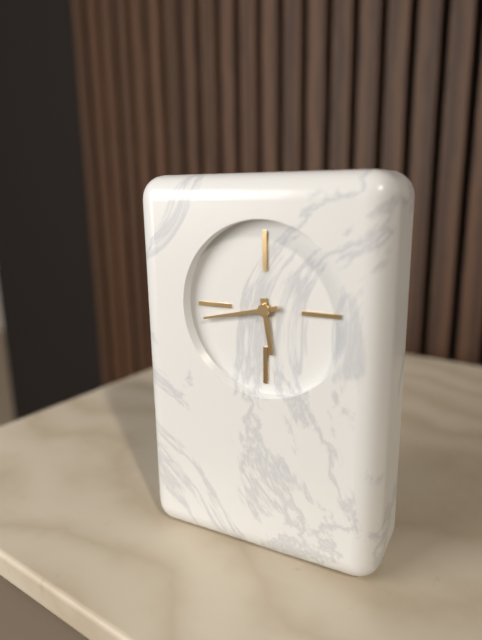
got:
h=5 m=43
